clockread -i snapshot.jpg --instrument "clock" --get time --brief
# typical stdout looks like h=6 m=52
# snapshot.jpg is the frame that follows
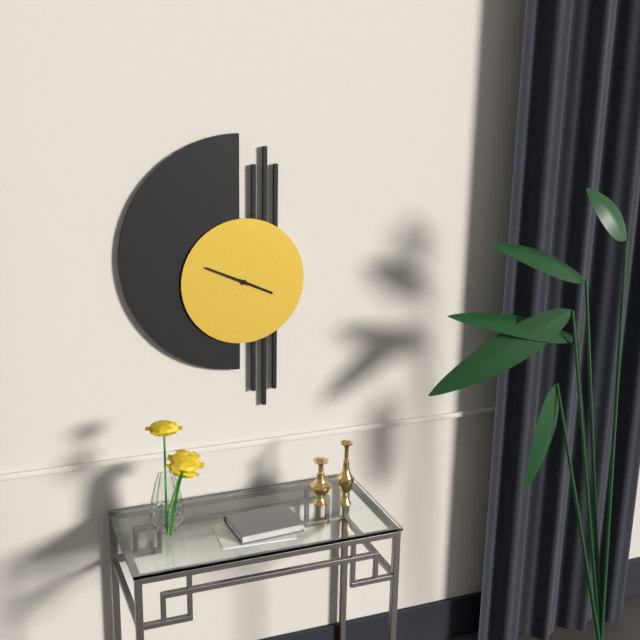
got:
h=3 m=49
